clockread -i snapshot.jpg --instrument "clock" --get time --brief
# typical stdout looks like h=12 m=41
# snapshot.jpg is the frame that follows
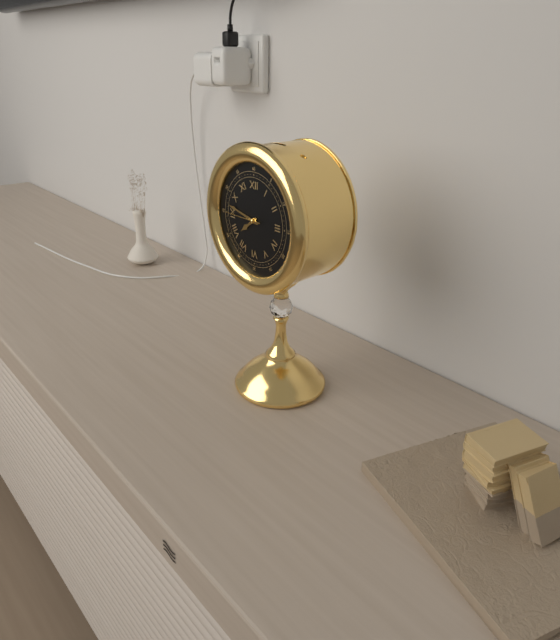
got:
h=7 m=47
